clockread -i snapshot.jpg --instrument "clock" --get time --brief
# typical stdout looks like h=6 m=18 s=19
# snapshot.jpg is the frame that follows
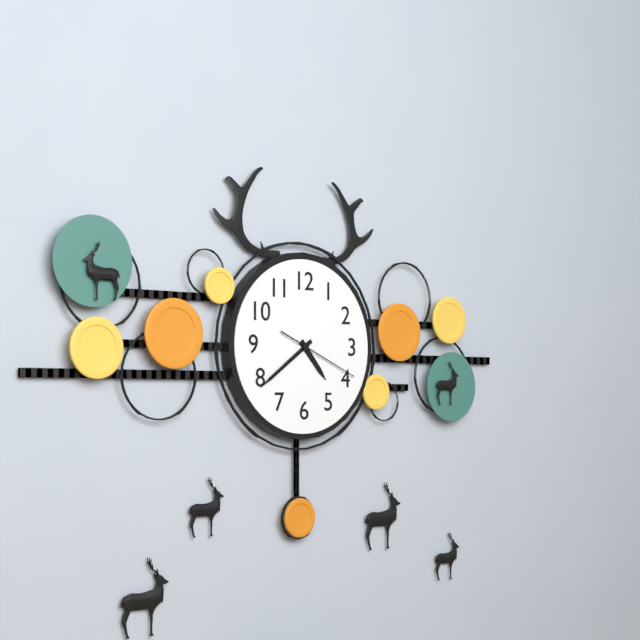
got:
h=4 m=39 s=19
